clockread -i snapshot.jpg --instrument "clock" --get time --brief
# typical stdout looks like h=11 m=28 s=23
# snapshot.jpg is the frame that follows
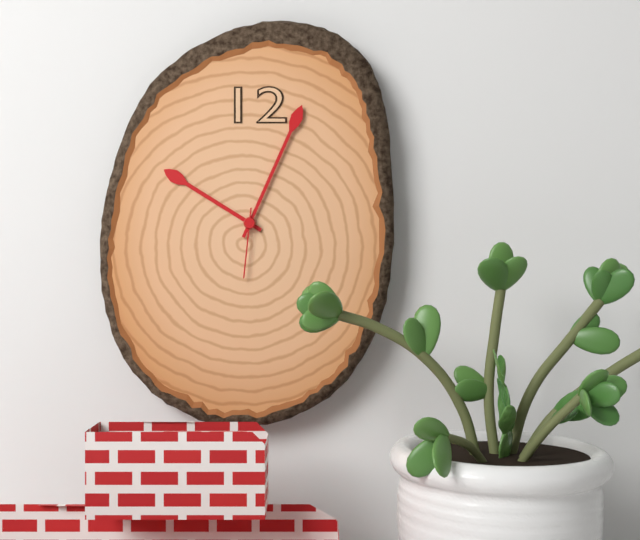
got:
h=10 m=4 s=31
